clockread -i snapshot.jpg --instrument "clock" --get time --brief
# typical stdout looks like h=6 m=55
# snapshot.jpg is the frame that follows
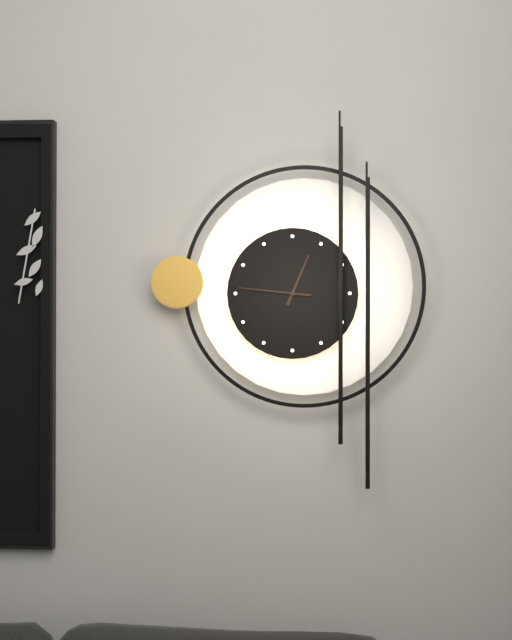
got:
h=12 m=46
